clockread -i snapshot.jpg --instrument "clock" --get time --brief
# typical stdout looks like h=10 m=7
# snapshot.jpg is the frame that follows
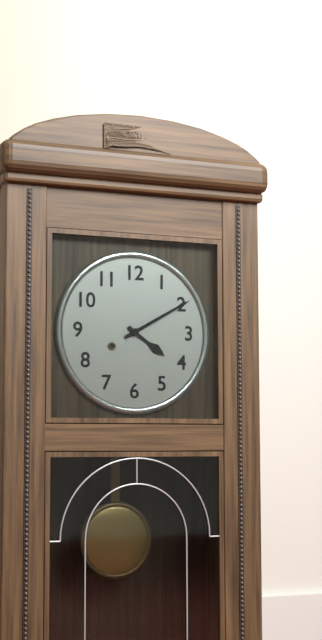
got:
h=4 m=10
